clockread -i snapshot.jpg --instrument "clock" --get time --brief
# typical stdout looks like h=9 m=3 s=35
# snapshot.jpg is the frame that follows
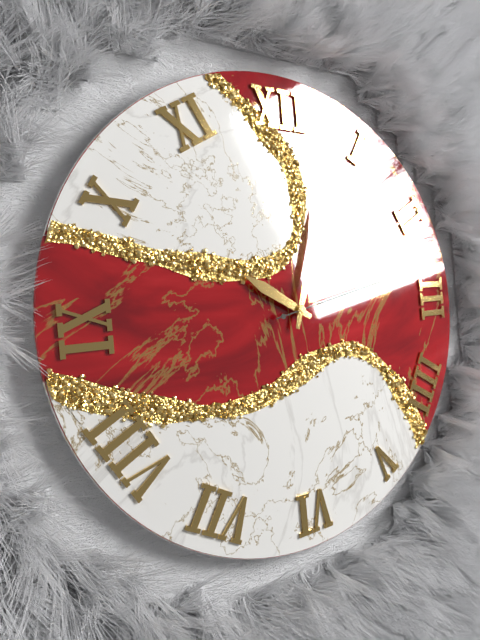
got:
h=10 m=3 s=13
